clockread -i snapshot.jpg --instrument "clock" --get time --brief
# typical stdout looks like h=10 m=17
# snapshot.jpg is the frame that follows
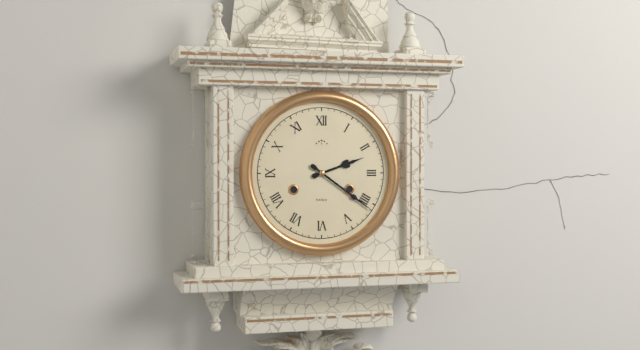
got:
h=2 m=21
